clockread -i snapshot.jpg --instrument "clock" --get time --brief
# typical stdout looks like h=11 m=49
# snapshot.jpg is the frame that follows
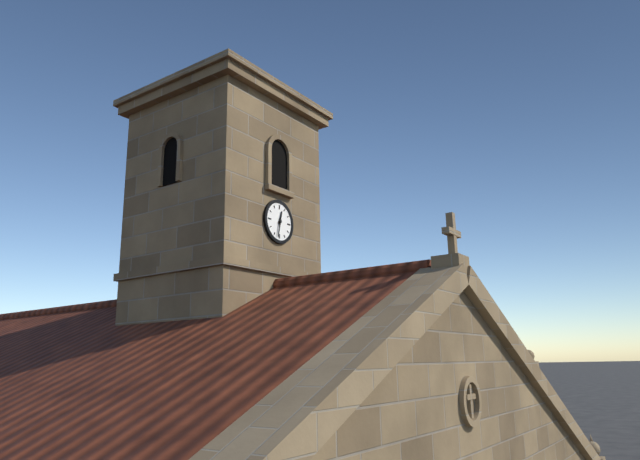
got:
h=12 m=32
